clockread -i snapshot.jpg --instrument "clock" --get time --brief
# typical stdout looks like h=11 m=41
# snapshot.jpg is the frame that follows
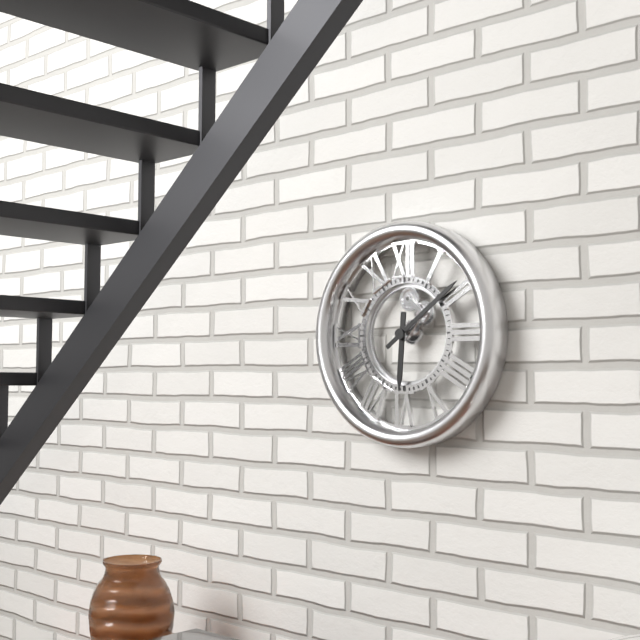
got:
h=6 m=9
